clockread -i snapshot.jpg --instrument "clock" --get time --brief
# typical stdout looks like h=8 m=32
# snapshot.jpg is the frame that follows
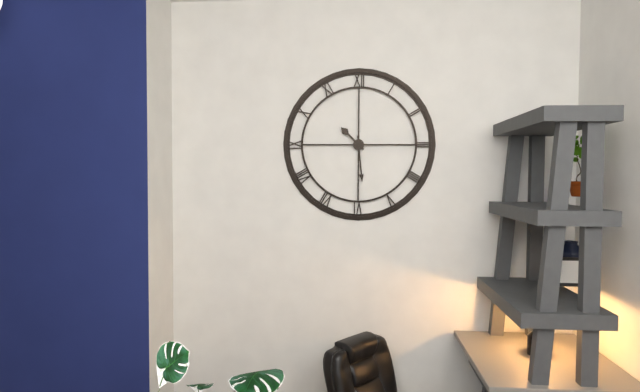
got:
h=10 m=29
